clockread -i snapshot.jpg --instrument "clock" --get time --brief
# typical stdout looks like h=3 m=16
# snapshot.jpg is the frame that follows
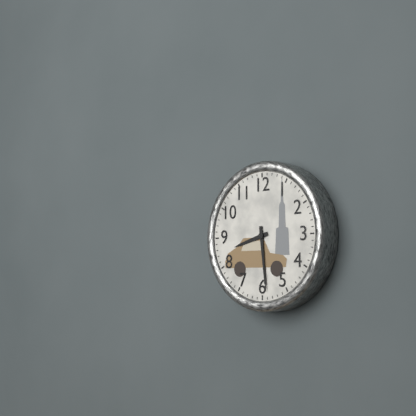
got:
h=8 m=29
